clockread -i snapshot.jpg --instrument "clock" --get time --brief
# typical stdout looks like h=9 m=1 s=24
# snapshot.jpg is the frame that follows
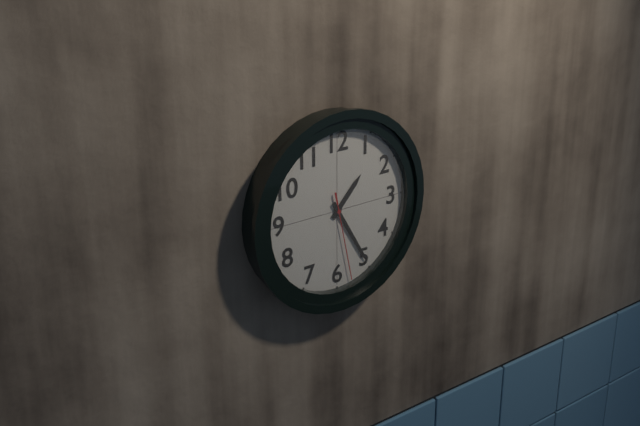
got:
h=1 m=25 s=28
